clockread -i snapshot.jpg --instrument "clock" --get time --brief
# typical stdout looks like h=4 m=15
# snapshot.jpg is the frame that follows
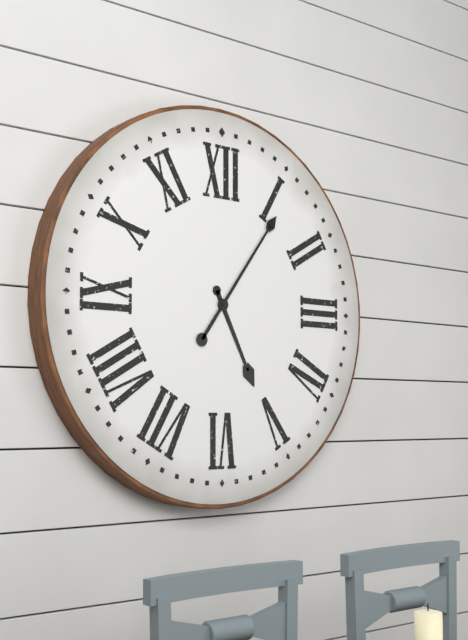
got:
h=5 m=6
